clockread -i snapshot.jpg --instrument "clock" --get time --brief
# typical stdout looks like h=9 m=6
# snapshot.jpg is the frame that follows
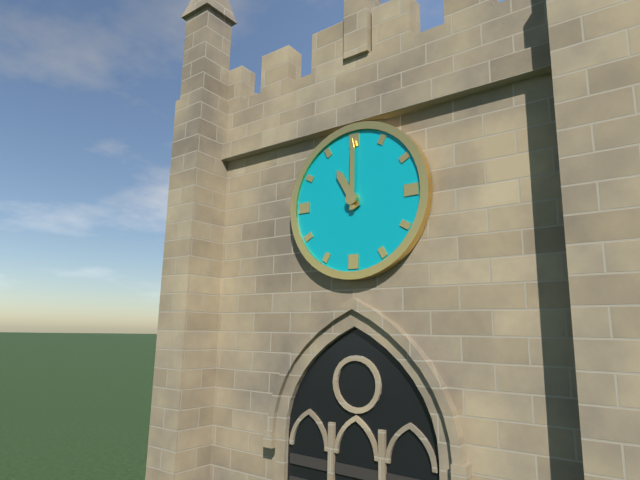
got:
h=11 m=0
